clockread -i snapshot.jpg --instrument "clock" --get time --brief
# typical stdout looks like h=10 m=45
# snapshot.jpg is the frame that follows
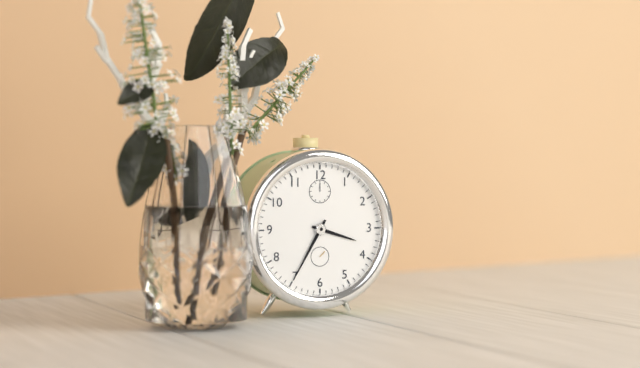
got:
h=3 m=35
